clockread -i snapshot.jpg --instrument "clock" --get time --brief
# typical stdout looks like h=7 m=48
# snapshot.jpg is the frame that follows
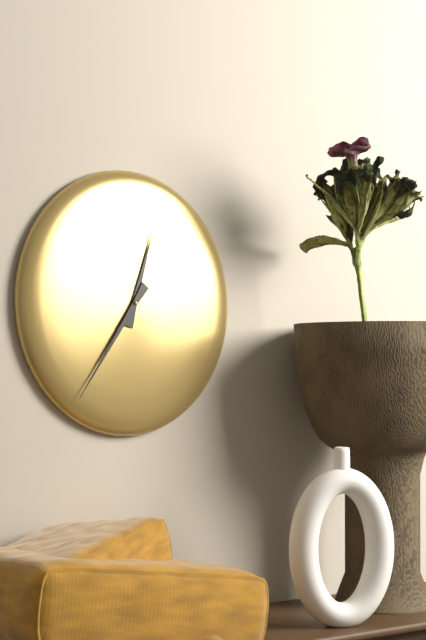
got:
h=12 m=36
